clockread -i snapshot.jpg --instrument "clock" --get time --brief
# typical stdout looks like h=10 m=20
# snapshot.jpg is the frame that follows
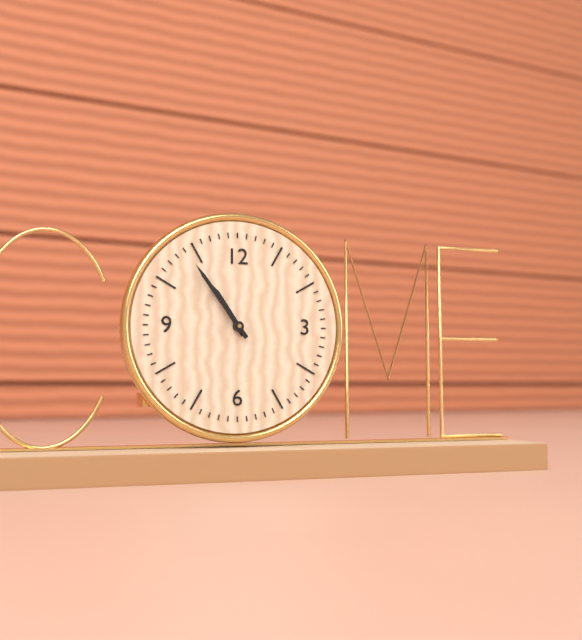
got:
h=10 m=54
